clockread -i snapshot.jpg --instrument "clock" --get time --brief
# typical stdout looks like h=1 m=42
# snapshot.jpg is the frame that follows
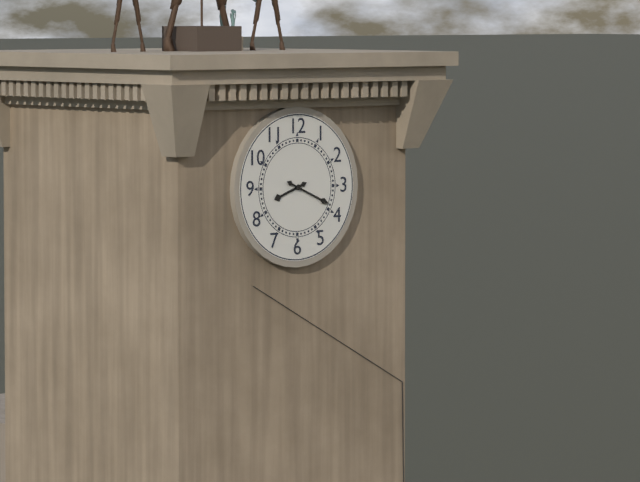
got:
h=8 m=19
